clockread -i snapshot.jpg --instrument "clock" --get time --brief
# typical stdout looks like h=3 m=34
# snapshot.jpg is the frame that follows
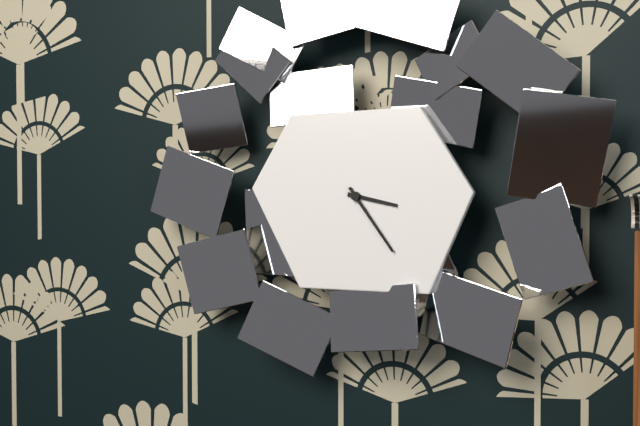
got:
h=3 m=24
